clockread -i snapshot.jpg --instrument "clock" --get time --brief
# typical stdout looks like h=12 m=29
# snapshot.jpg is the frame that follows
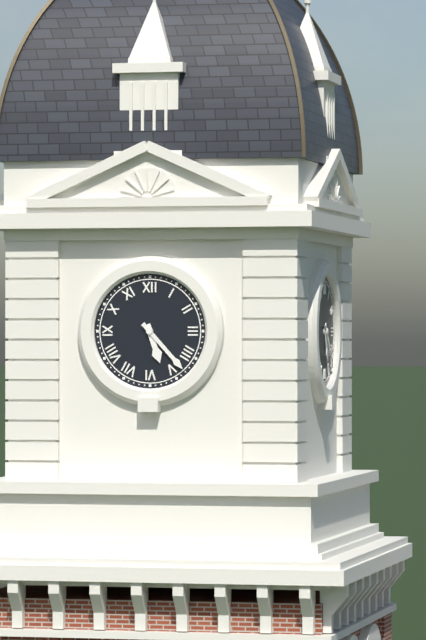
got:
h=5 m=23
